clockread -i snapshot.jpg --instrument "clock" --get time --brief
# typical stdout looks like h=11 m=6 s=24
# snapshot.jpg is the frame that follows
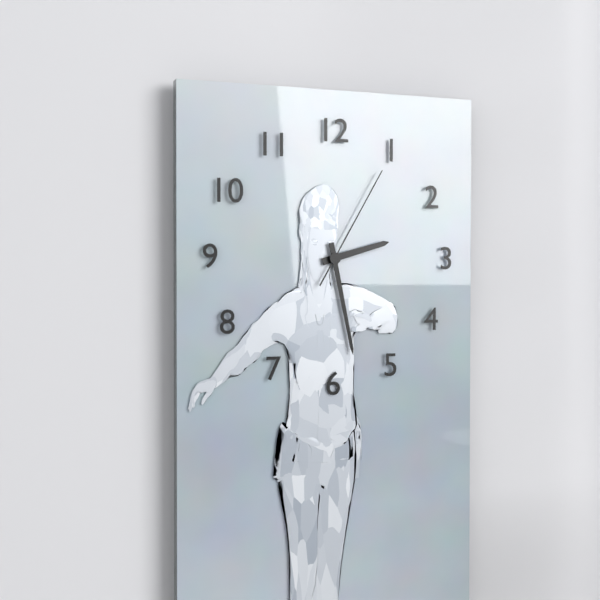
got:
h=2 m=28 s=5
